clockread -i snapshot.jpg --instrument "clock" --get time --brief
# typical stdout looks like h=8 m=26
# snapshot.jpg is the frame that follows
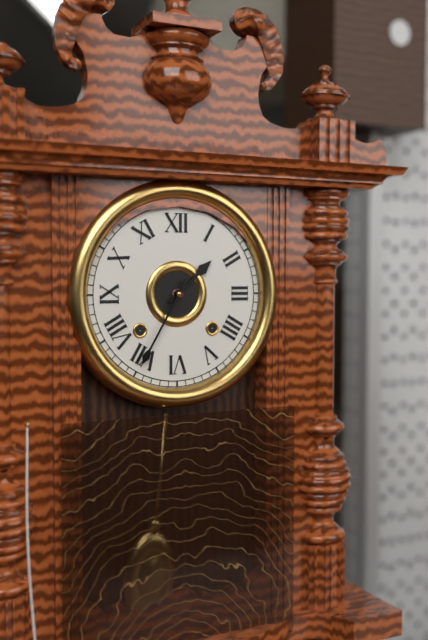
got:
h=1 m=35
